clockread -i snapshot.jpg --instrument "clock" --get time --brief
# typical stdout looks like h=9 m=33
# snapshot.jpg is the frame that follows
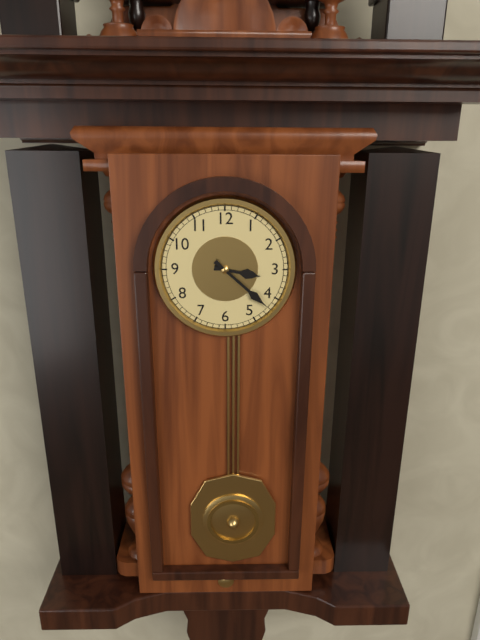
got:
h=3 m=22
